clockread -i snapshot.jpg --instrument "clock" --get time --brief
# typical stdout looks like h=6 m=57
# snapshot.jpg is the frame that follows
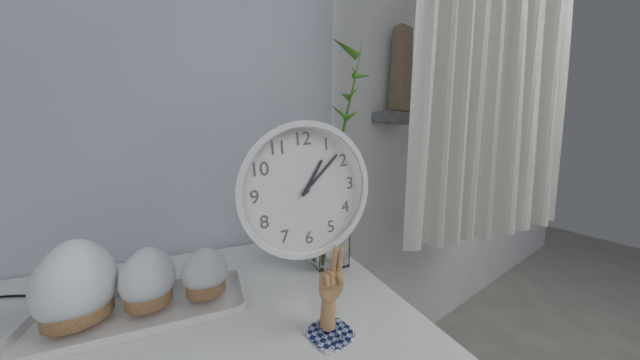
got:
h=1 m=8
